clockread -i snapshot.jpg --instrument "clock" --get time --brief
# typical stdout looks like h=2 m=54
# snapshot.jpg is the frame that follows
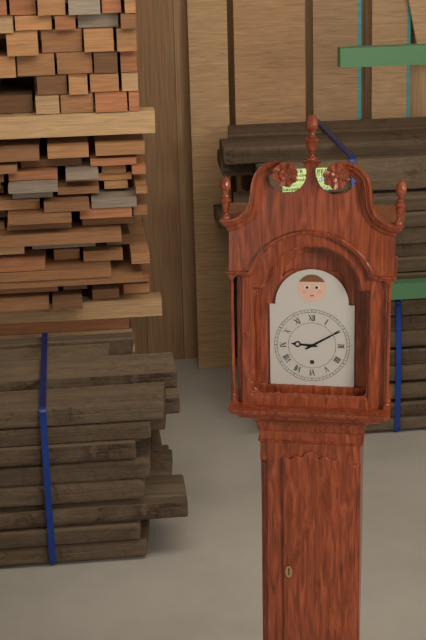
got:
h=9 m=10
